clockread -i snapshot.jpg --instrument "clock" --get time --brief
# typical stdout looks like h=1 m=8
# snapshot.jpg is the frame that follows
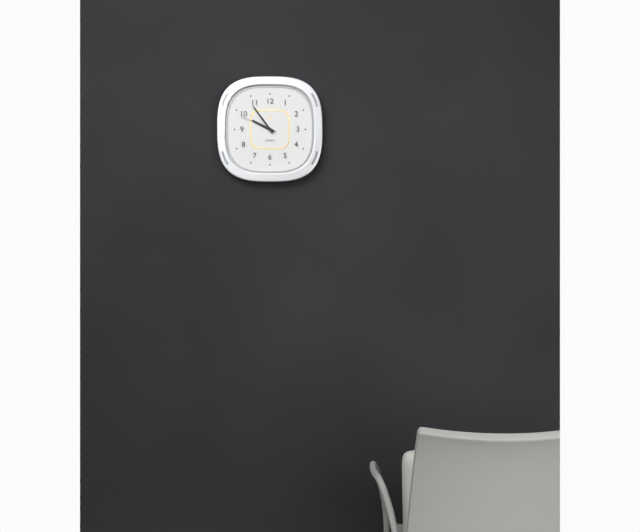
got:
h=9 m=54
